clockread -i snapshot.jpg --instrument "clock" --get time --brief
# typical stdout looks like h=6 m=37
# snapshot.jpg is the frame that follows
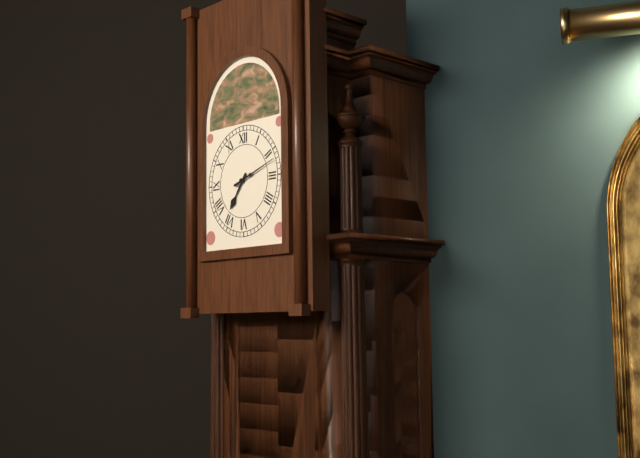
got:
h=7 m=12
